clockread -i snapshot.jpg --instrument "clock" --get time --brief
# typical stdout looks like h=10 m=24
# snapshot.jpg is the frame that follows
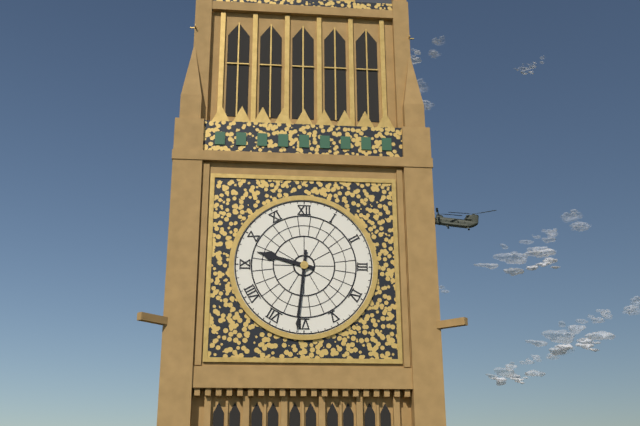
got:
h=9 m=31
